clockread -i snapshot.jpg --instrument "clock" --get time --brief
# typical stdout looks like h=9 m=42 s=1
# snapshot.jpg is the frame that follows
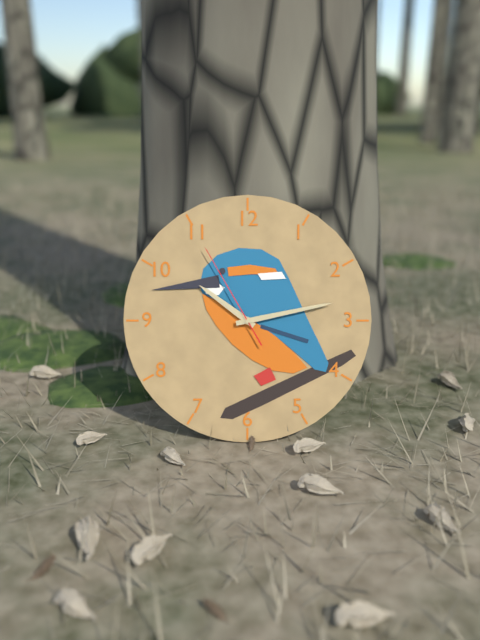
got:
h=10 m=13 s=55
